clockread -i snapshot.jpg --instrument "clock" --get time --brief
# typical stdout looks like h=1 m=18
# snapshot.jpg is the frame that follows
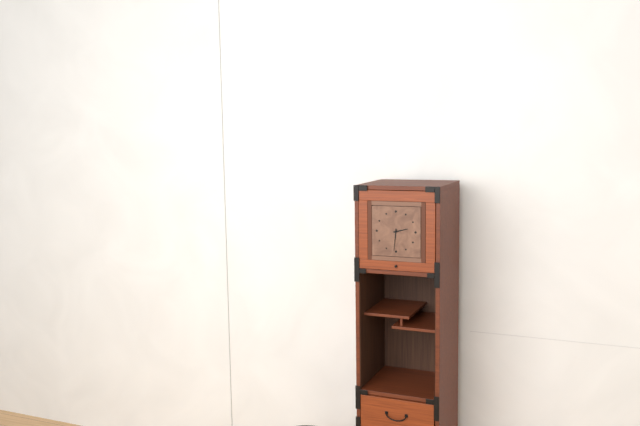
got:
h=2 m=31
